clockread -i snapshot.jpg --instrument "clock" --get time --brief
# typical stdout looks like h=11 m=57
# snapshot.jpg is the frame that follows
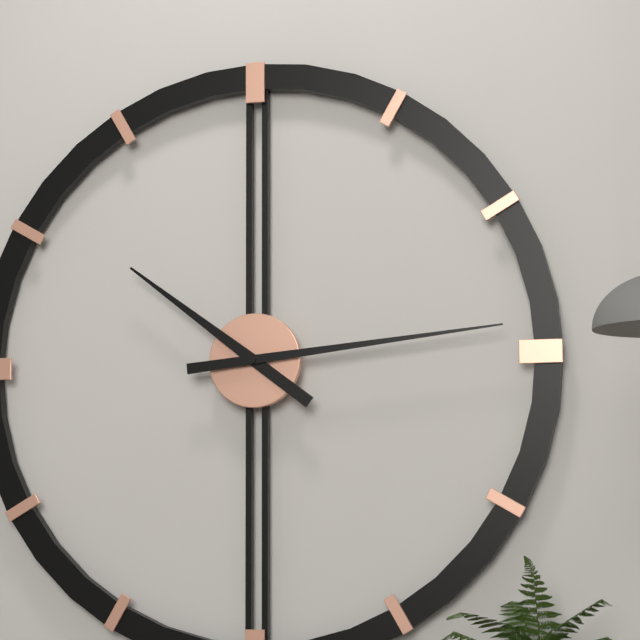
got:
h=10 m=14
